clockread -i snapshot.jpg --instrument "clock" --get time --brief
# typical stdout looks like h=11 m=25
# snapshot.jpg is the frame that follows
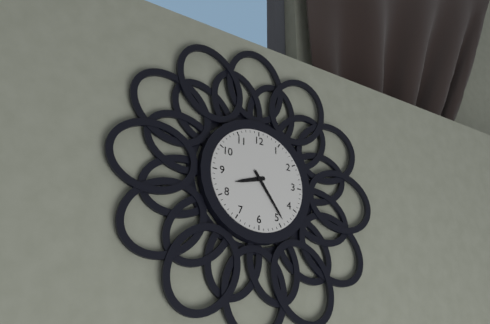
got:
h=8 m=24
